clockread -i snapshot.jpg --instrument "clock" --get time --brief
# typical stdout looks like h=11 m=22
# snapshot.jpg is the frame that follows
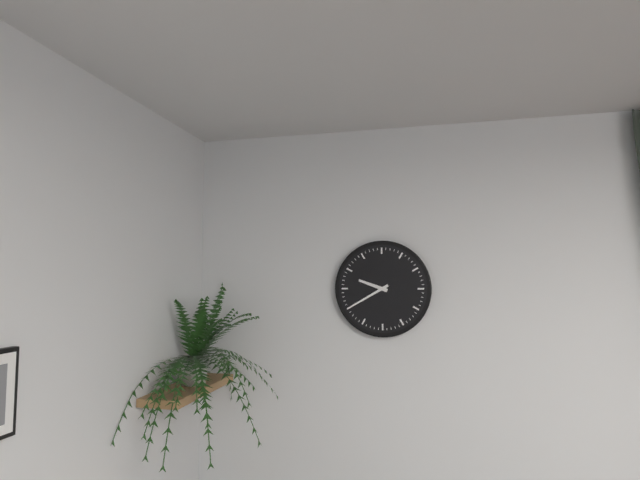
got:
h=9 m=40
